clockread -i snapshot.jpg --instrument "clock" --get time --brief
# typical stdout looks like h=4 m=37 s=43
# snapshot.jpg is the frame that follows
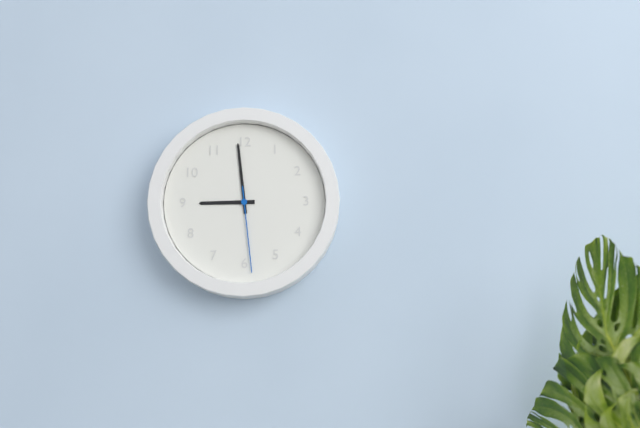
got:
h=8 m=59 s=29
